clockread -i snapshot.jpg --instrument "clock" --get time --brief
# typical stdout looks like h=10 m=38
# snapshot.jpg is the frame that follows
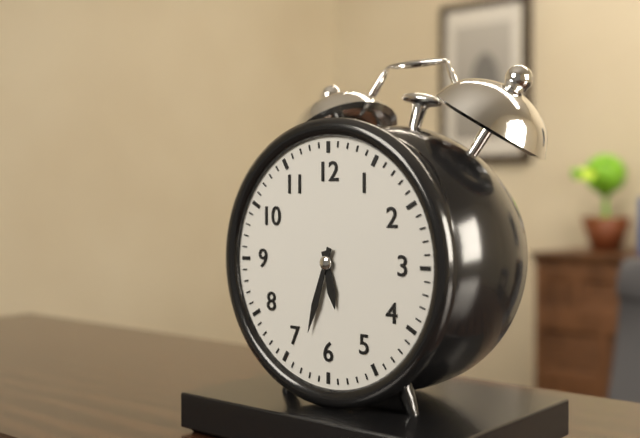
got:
h=5 m=33
